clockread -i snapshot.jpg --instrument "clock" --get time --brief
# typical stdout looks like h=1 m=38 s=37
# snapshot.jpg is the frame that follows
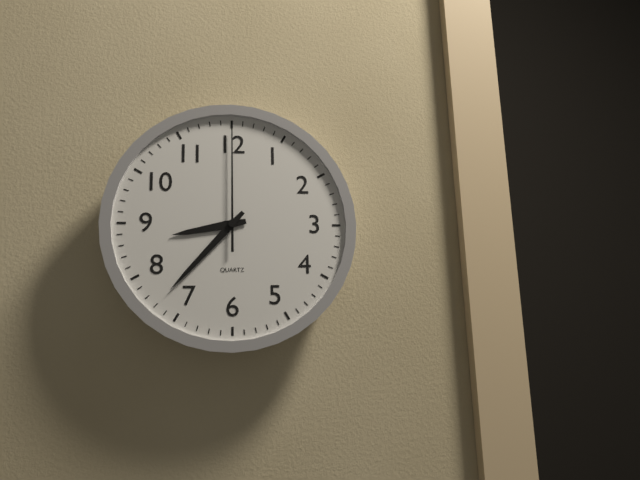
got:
h=8 m=37 s=0
